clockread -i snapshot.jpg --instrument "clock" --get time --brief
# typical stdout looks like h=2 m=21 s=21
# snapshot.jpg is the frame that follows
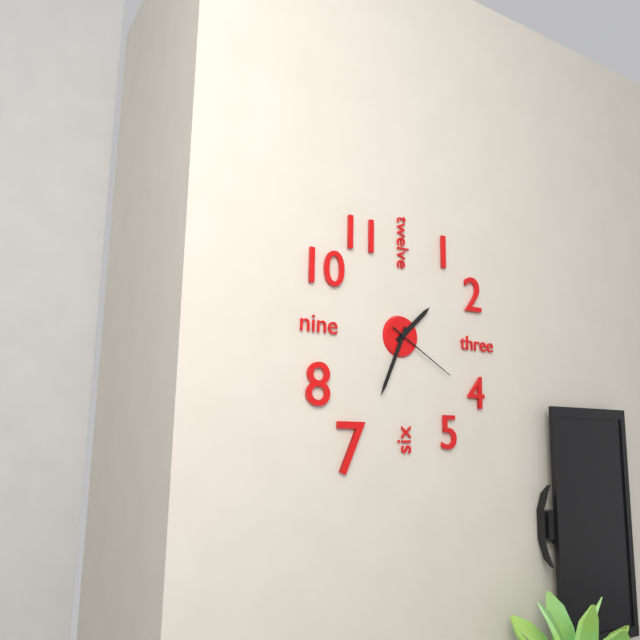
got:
h=1 m=34 s=20
